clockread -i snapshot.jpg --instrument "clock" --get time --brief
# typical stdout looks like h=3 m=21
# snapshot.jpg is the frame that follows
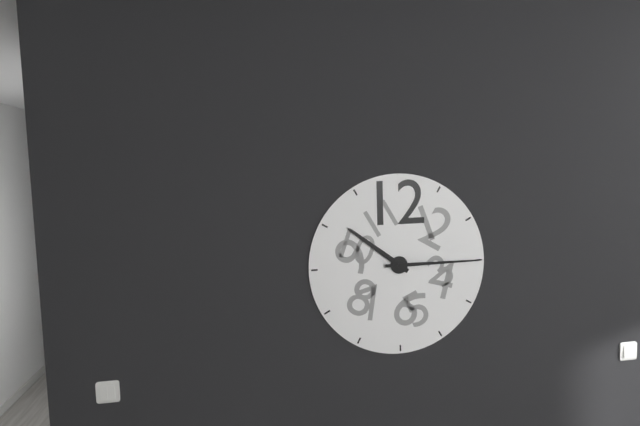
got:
h=10 m=15
